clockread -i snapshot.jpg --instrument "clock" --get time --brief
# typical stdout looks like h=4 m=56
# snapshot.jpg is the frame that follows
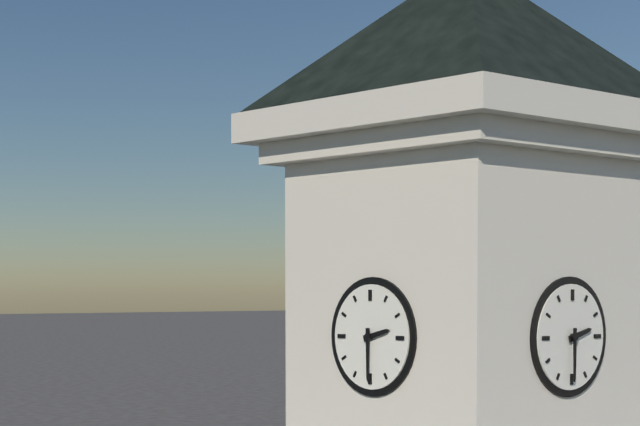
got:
h=2 m=30
